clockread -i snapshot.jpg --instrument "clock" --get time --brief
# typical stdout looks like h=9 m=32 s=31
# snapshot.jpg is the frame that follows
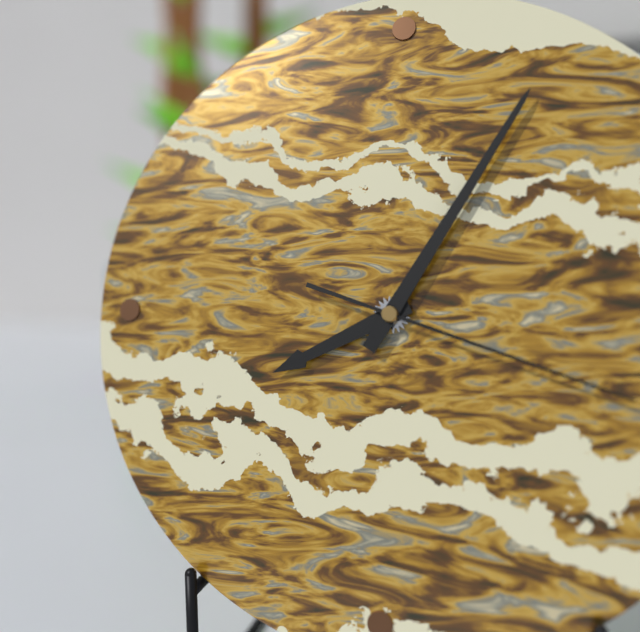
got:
h=8 m=5 s=18
